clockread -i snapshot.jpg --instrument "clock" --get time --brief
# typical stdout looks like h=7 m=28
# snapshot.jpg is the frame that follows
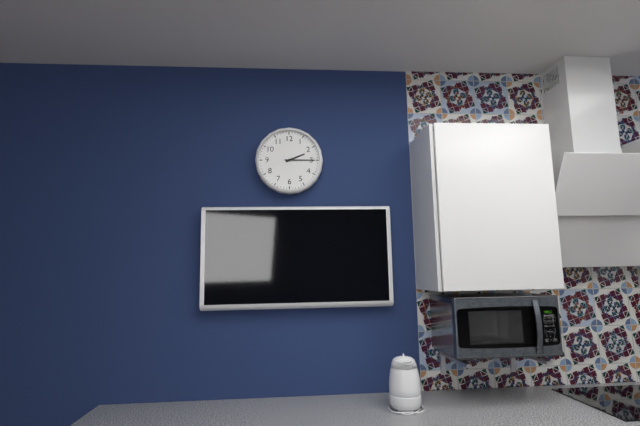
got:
h=2 m=15
